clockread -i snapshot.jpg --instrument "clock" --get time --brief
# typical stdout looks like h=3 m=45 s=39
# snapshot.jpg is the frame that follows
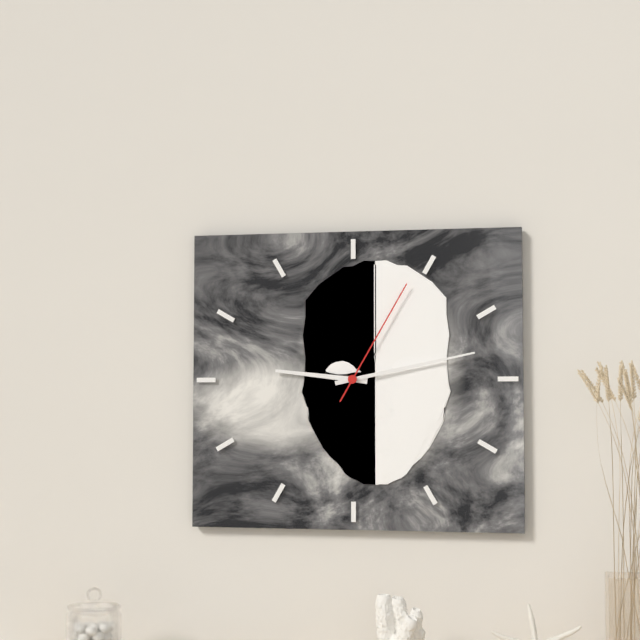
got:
h=9 m=13 s=5
